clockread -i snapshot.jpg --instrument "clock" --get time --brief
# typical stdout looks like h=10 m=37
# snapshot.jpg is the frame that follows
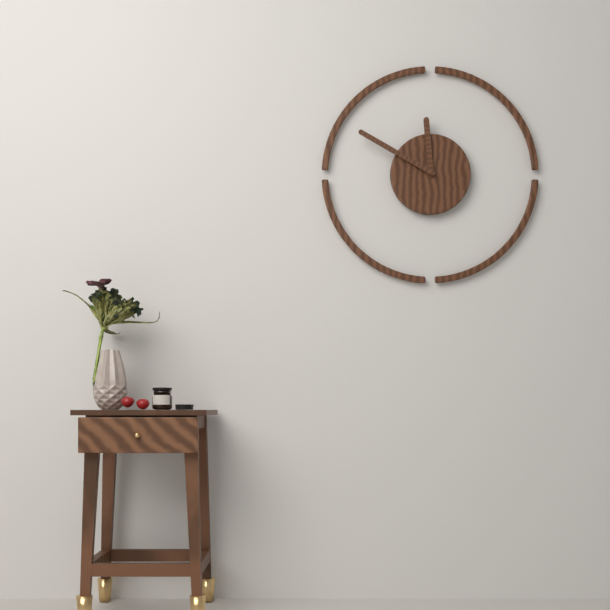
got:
h=11 m=50
